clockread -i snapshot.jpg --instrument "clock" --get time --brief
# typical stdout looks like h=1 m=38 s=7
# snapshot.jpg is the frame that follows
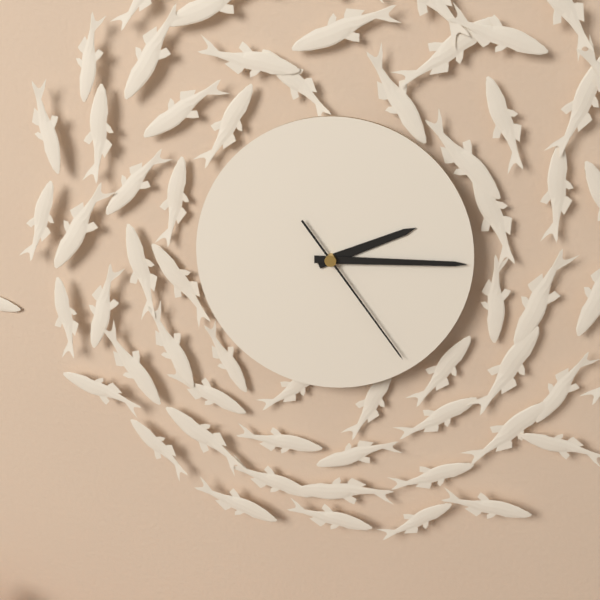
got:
h=2 m=15 s=24
